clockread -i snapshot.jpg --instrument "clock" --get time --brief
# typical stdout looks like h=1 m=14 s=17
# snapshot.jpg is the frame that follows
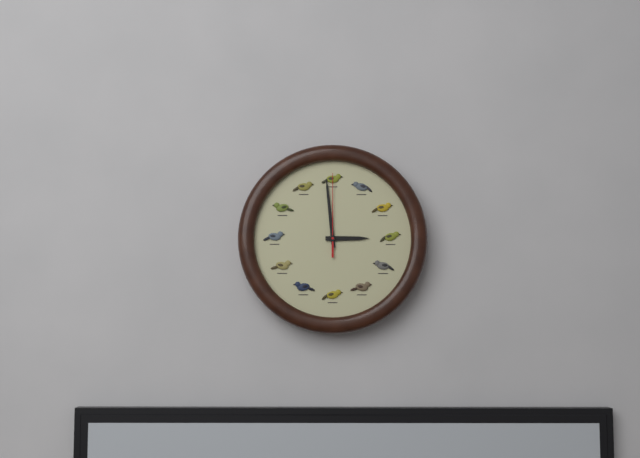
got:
h=2 m=59 s=0
